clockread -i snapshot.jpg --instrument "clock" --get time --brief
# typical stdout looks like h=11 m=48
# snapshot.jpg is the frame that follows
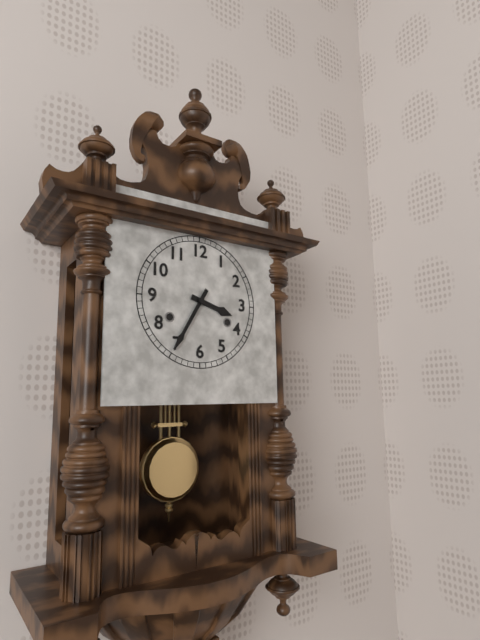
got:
h=3 m=35
